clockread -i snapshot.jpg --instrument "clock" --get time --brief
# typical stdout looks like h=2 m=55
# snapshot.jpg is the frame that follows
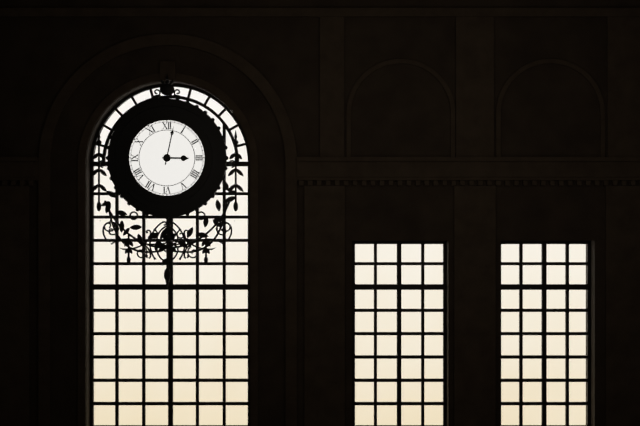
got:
h=3 m=2
